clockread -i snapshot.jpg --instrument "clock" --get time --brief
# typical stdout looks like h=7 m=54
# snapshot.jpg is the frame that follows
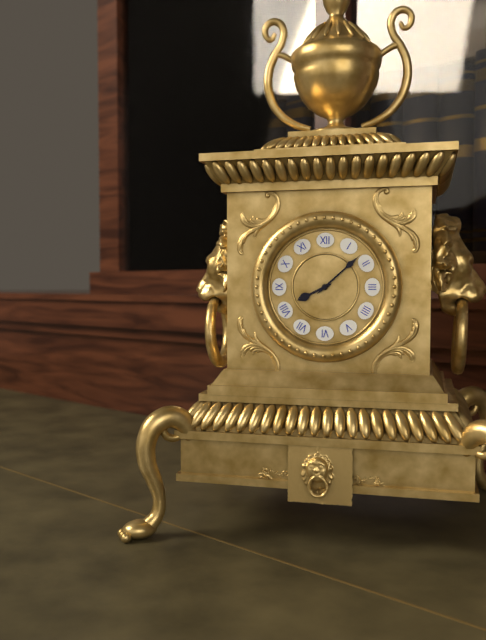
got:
h=8 m=8
